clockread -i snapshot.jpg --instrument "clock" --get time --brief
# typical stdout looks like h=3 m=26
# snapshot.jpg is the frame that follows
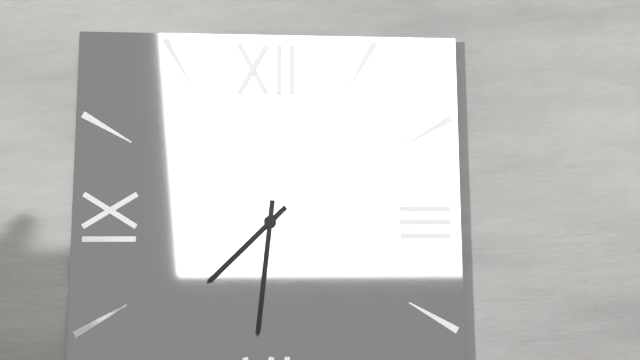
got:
h=7 m=31
